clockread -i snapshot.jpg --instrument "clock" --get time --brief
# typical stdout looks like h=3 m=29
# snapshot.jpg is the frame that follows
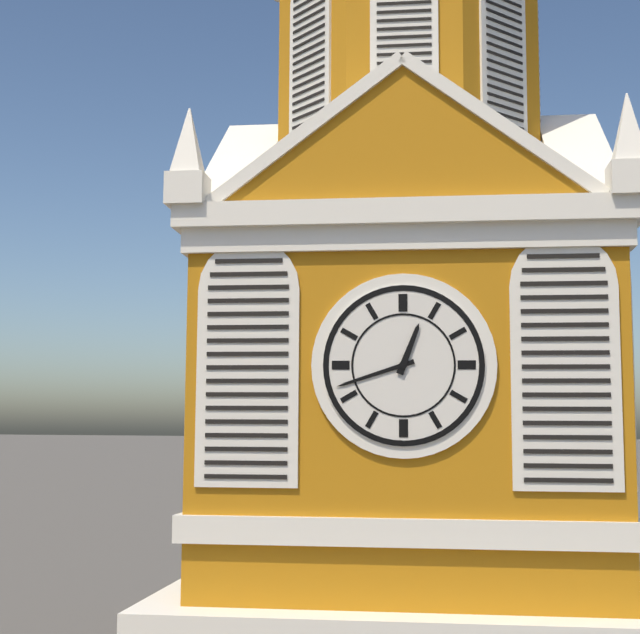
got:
h=12 m=42
